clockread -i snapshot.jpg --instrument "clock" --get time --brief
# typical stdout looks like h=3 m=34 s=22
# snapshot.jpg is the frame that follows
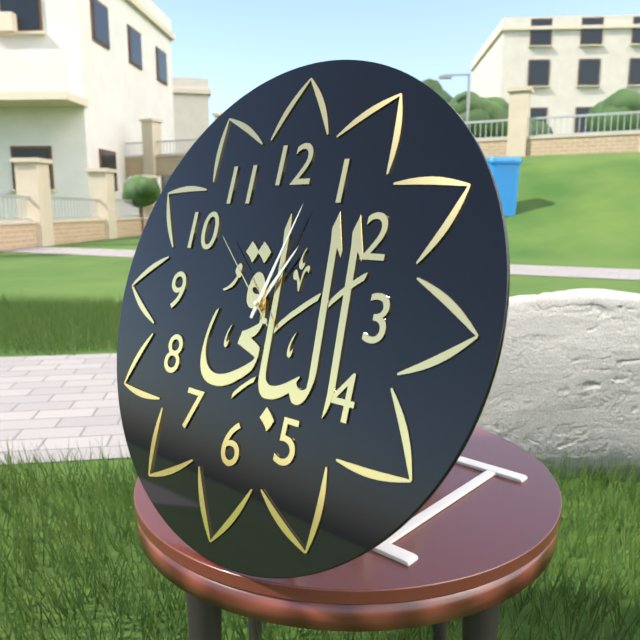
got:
h=1 m=3 s=52
